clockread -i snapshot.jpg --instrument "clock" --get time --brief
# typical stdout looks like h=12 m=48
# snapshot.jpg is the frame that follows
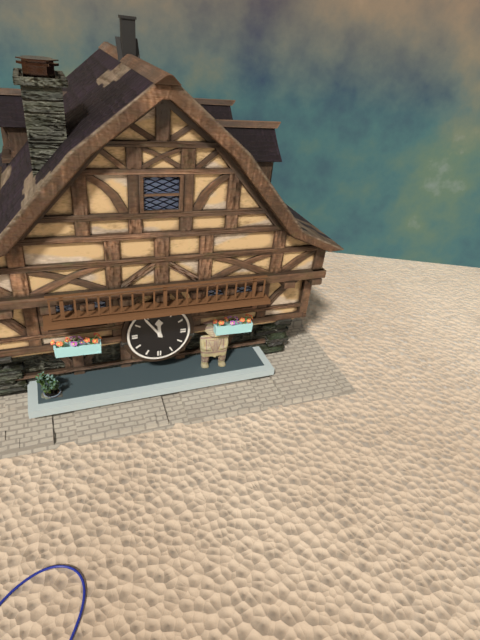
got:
h=11 m=54
